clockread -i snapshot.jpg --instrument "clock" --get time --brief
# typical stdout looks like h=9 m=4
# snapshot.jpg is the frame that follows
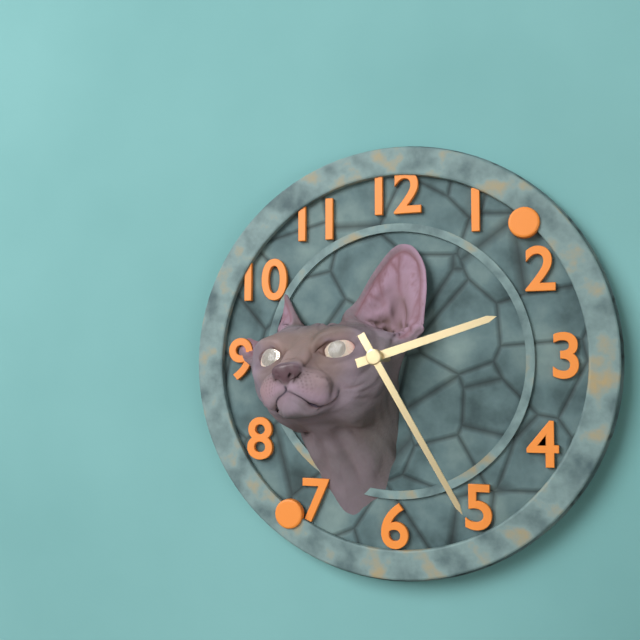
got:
h=2 m=25
